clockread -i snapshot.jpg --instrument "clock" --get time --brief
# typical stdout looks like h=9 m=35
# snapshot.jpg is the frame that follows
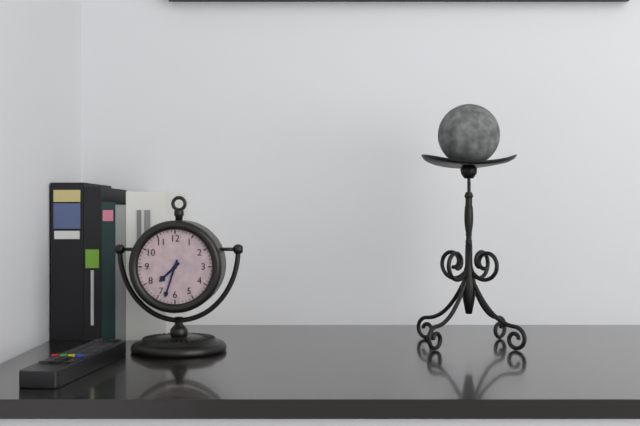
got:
h=7 m=33
